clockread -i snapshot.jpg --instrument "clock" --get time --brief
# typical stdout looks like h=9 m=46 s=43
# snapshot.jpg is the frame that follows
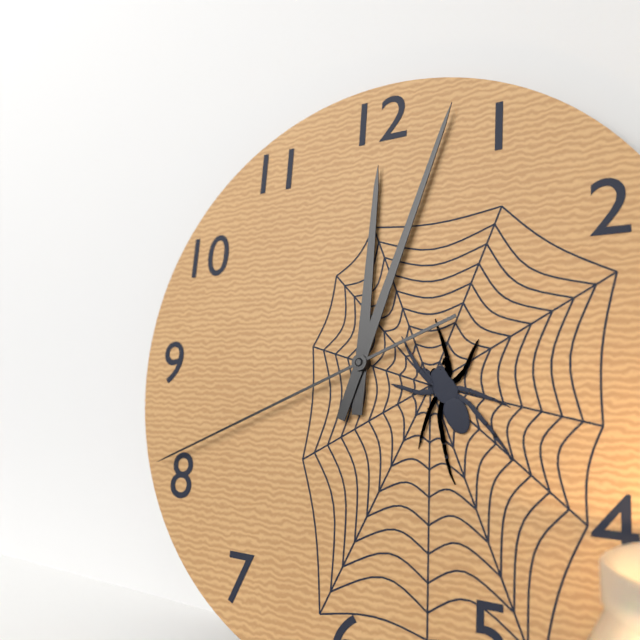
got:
h=12 m=3 s=41
